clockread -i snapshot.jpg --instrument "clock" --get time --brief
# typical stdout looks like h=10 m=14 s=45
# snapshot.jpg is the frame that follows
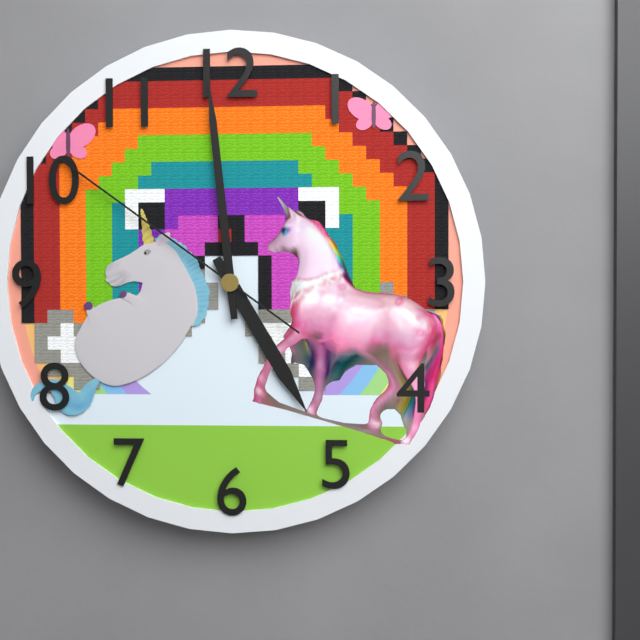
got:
h=4 m=59 s=51
